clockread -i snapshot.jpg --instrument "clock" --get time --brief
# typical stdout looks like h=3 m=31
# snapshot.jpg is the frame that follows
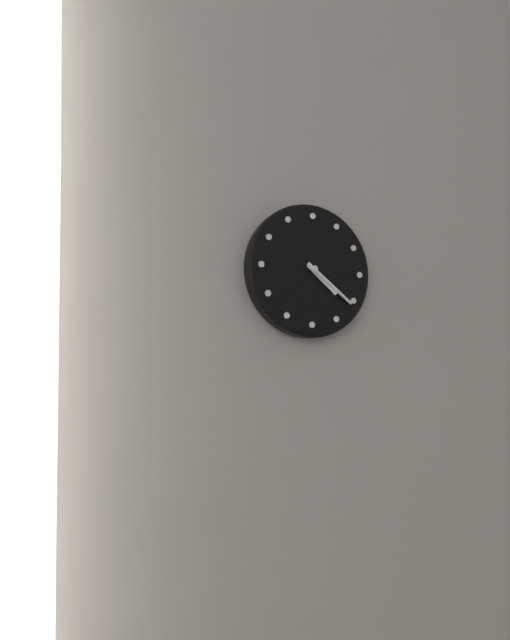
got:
h=4 m=21
